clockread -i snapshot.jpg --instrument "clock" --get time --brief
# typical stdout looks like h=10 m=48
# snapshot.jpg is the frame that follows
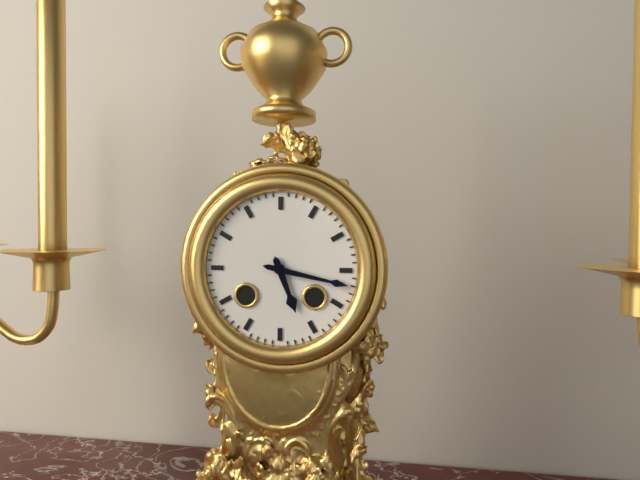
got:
h=5 m=17
